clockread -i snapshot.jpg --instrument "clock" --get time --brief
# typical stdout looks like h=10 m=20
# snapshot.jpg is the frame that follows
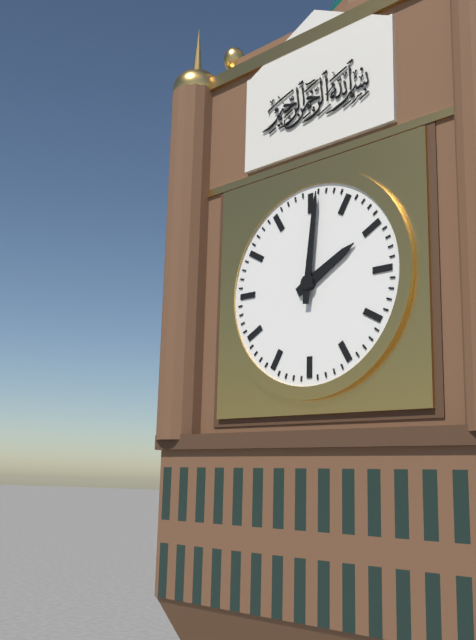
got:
h=2 m=1
